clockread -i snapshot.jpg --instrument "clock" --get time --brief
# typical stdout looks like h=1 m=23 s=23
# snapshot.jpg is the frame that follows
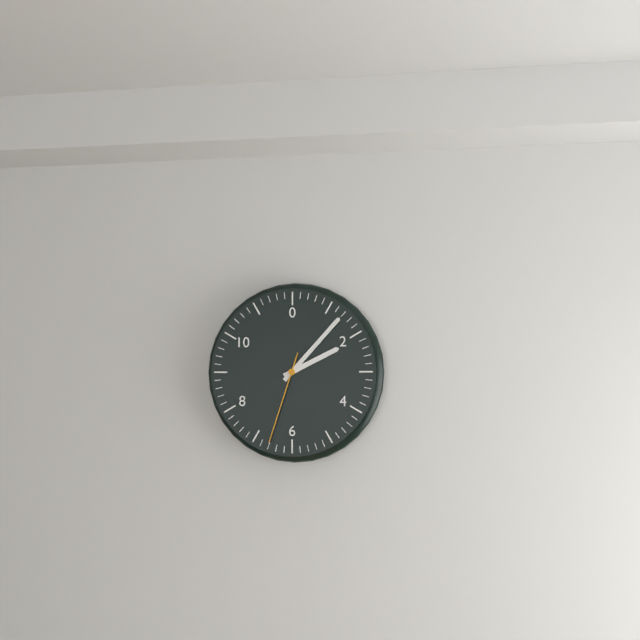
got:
h=2 m=7 s=33
